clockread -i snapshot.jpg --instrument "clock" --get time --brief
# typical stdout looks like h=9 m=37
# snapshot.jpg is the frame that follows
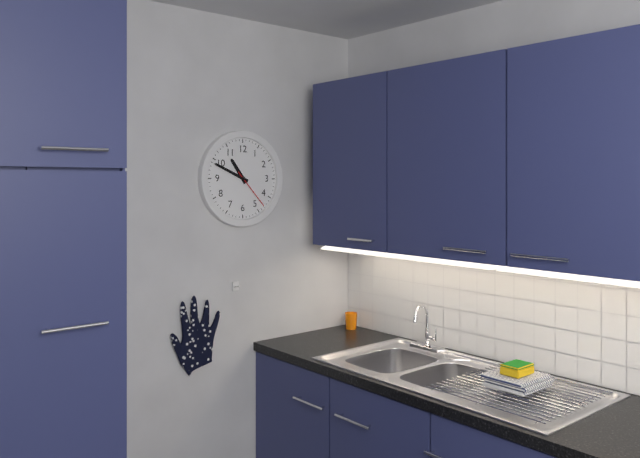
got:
h=10 m=49
